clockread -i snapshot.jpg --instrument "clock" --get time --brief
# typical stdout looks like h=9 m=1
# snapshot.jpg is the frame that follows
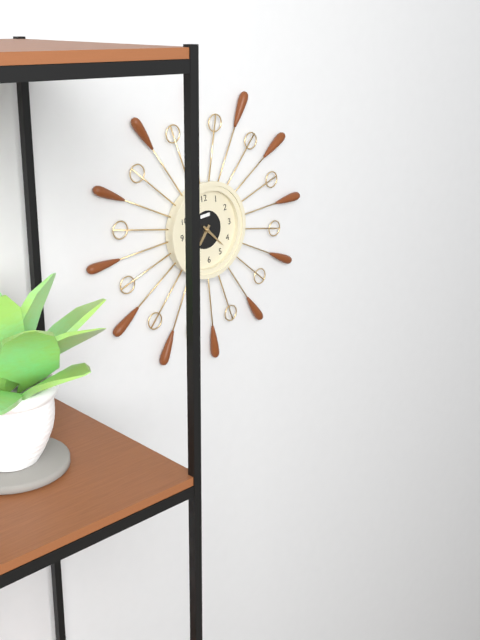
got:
h=7 m=23
